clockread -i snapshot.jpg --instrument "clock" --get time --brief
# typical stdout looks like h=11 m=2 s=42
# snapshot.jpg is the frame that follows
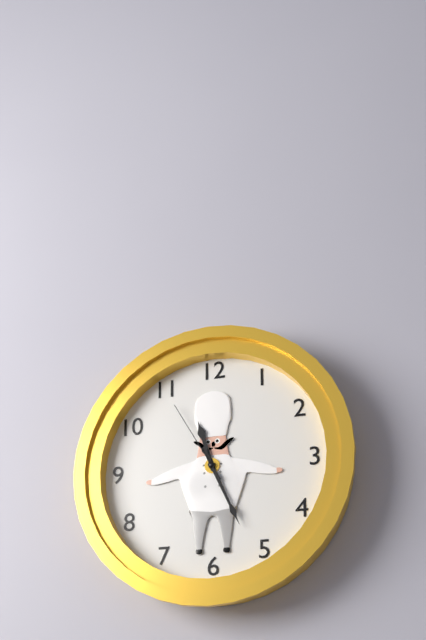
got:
h=11 m=26 s=55
